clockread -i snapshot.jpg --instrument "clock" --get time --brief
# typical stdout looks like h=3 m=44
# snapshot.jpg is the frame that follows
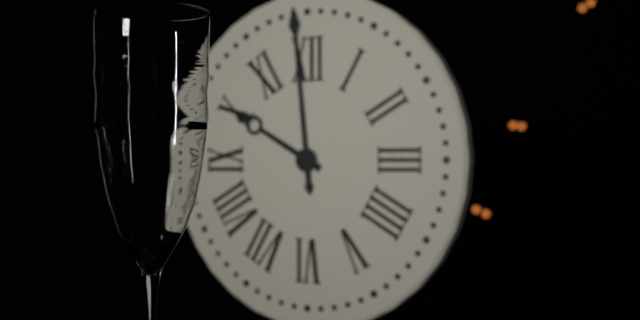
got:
h=9 m=59
